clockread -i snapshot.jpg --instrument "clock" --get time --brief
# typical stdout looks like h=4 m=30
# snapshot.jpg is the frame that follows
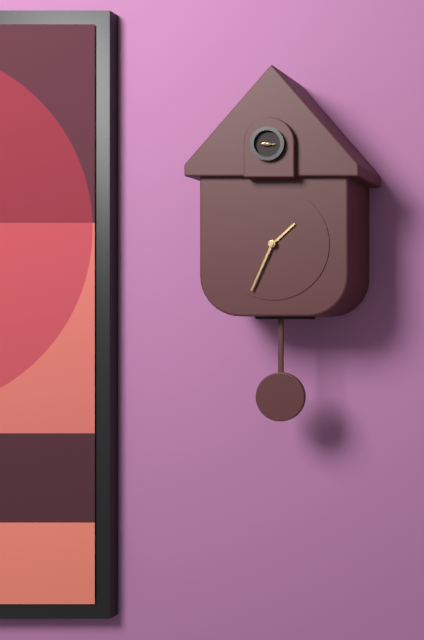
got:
h=1 m=34
